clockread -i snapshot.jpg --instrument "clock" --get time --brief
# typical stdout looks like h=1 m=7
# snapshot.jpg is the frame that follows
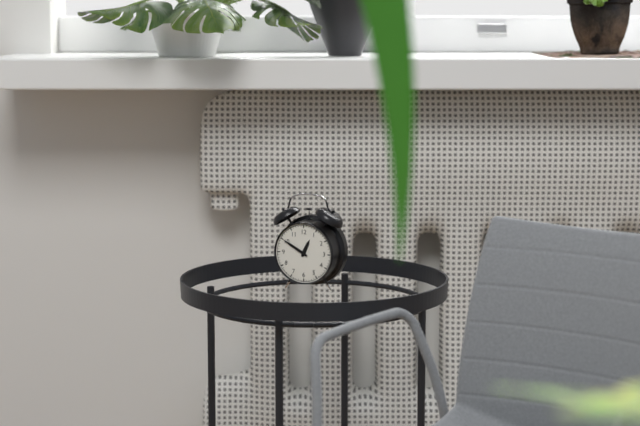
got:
h=12 m=50
